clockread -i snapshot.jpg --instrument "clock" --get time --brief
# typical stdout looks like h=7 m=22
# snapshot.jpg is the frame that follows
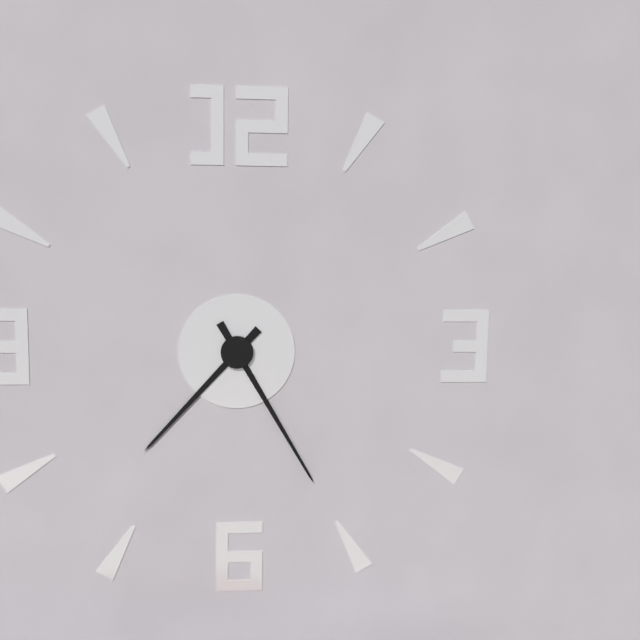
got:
h=7 m=25
